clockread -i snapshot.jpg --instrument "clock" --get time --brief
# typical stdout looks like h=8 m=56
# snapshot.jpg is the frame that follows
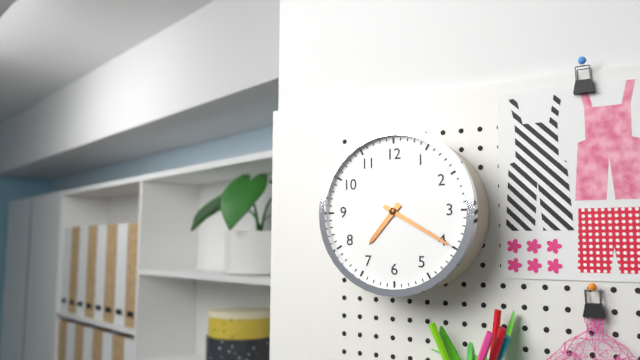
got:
h=7 m=20
